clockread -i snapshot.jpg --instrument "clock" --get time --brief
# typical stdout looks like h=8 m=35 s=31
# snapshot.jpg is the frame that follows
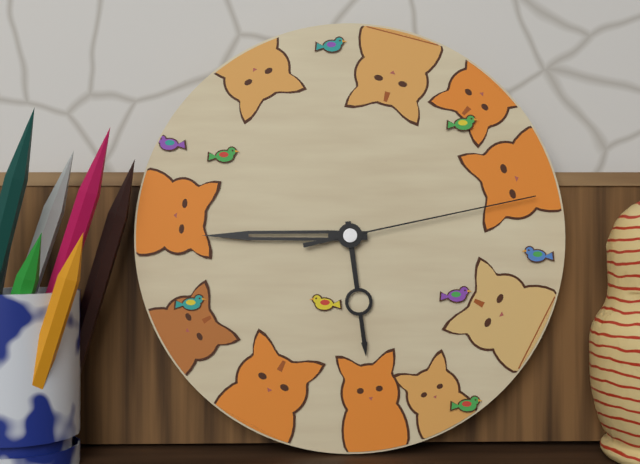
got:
h=5 m=45 s=13
